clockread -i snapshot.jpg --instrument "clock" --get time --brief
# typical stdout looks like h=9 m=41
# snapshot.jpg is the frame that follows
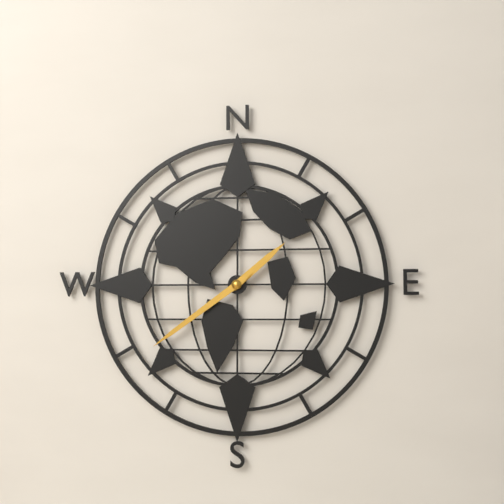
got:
h=1 m=39
